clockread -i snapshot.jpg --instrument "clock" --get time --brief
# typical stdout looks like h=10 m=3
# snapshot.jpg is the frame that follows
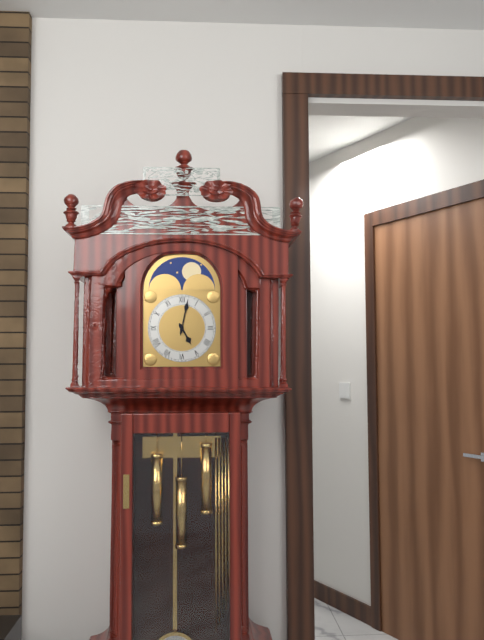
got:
h=5 m=2
